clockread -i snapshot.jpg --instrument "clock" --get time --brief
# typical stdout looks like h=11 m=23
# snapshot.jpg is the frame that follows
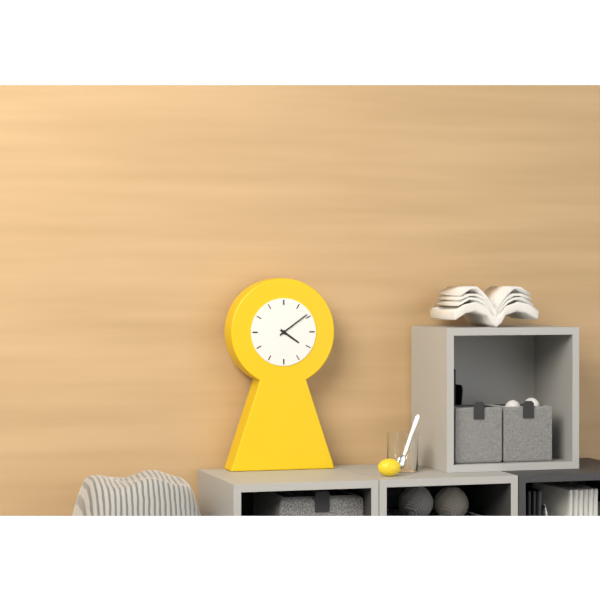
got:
h=4 m=9
